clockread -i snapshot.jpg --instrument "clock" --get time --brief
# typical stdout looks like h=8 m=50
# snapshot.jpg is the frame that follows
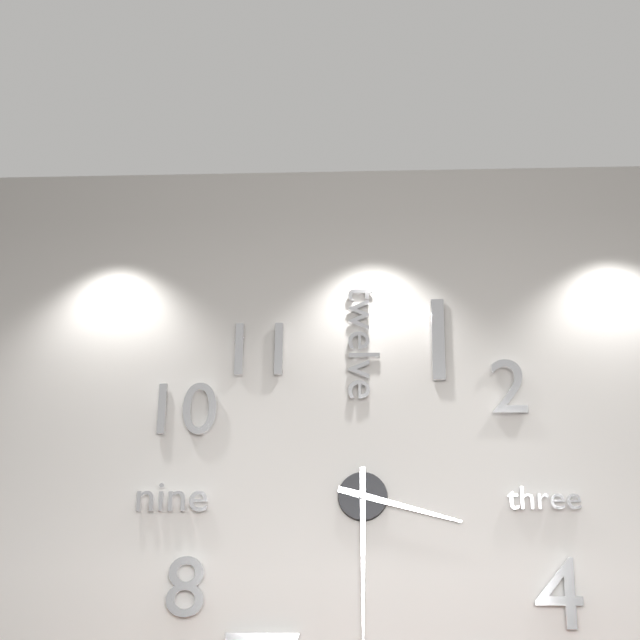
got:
h=3 m=30
